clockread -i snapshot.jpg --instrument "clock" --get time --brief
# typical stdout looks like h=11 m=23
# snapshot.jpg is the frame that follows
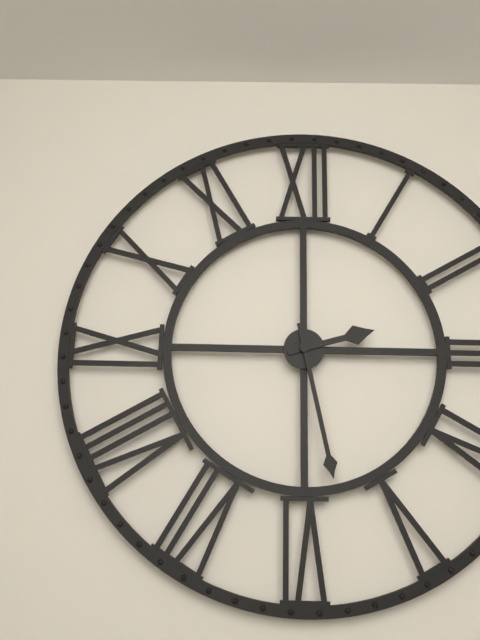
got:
h=2 m=28
